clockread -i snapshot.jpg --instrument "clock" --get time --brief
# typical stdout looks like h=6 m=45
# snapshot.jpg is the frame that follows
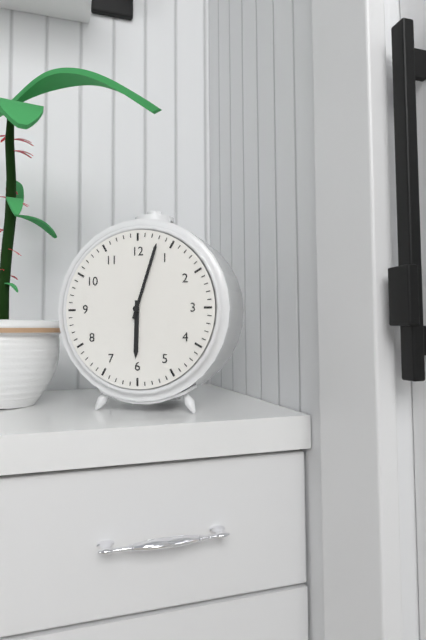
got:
h=6 m=3
